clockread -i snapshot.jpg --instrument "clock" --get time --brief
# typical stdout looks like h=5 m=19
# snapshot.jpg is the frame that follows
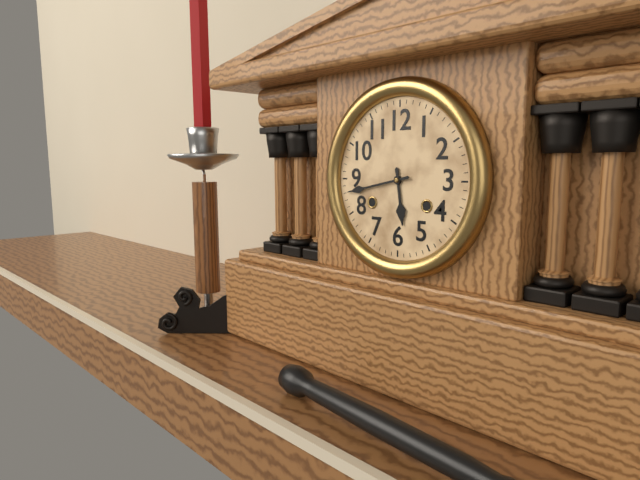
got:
h=5 m=43
